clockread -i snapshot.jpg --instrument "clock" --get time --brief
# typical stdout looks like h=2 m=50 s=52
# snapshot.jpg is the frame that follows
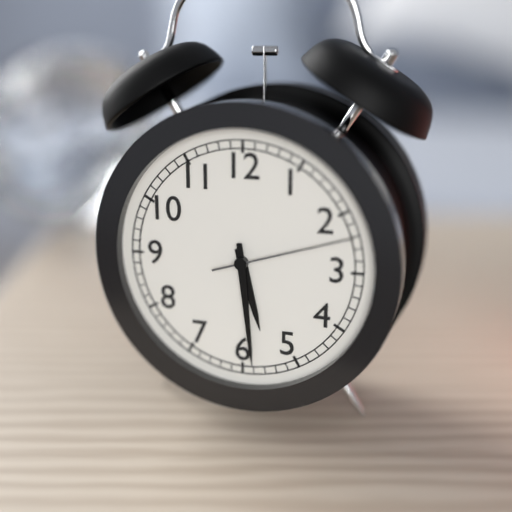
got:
h=5 m=29 s=12
